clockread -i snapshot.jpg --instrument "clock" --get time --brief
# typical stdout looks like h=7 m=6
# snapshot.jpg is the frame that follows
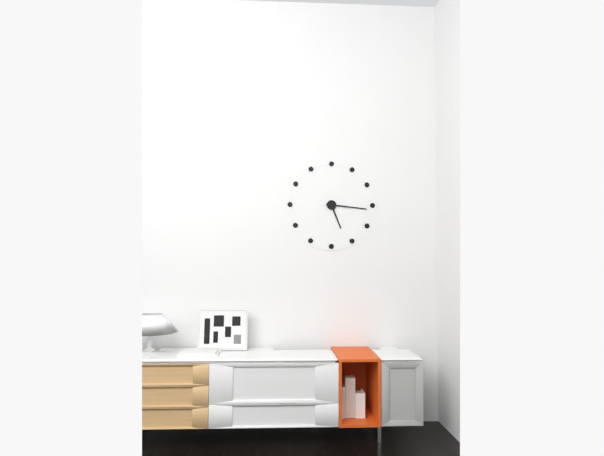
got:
h=5 m=16
